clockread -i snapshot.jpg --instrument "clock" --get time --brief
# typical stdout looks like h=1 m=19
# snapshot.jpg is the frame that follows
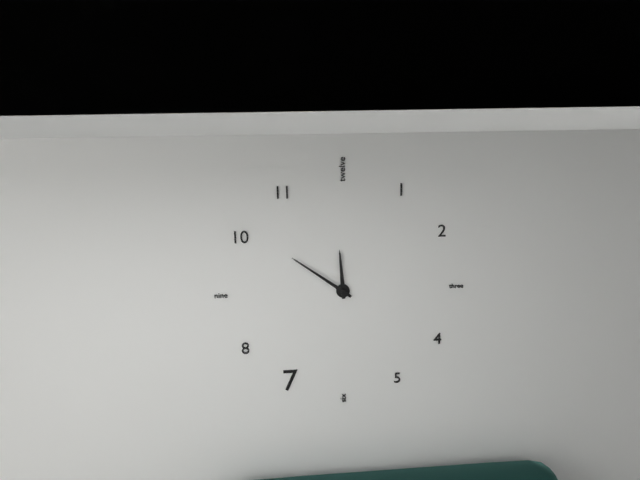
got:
h=11 m=51
